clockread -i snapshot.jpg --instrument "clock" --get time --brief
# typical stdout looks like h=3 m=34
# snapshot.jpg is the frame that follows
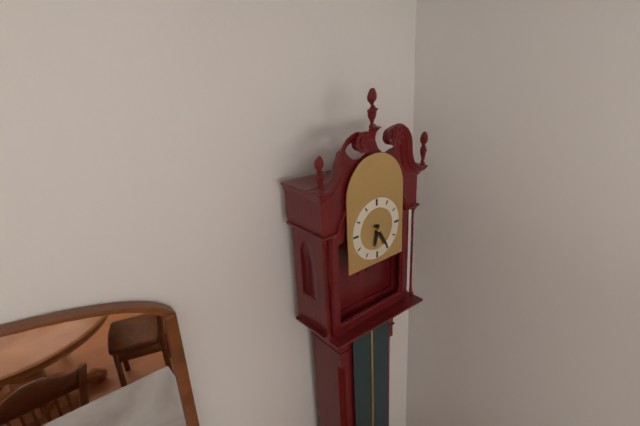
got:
h=6 m=25
